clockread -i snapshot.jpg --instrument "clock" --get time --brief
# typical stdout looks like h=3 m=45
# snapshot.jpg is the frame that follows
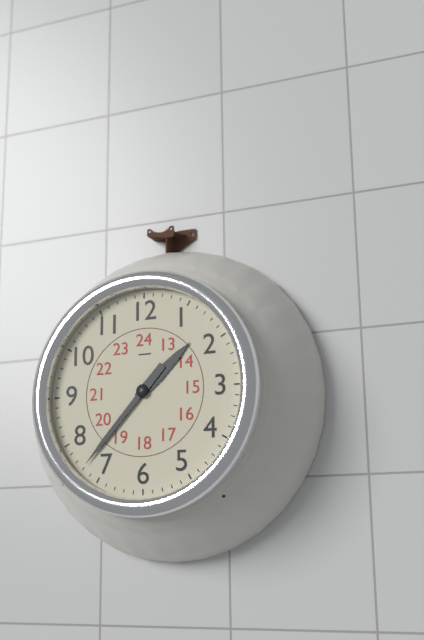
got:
h=1 m=37
